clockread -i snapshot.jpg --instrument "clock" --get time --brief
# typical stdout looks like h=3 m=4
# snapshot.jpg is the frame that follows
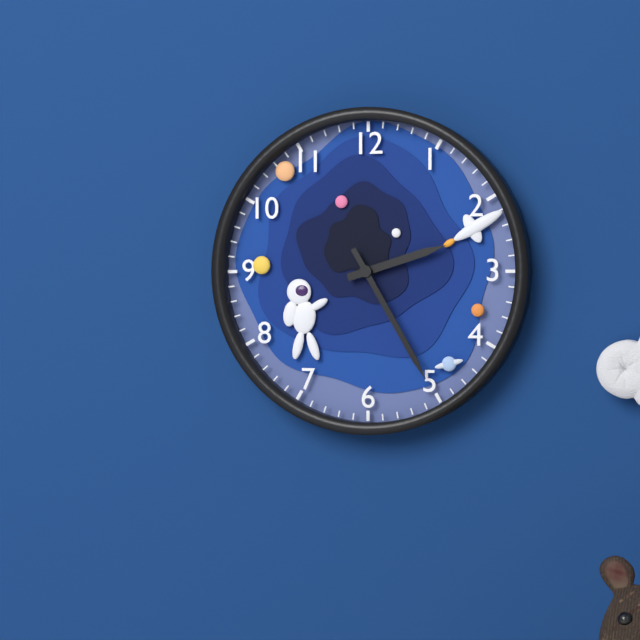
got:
h=2 m=25
